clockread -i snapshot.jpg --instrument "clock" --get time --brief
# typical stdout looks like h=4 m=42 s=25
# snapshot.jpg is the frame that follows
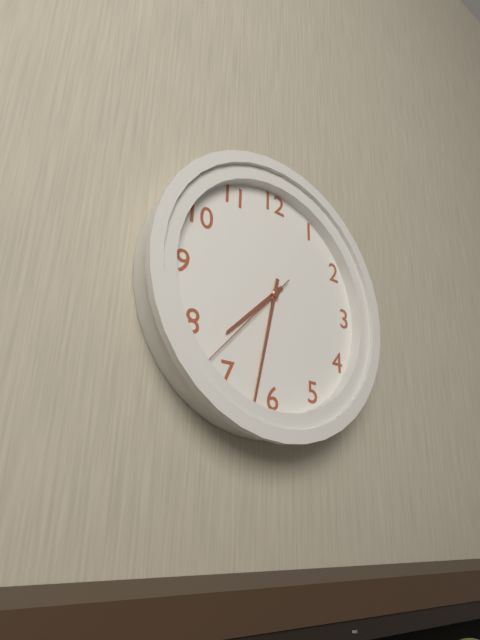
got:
h=7 m=32 s=37
